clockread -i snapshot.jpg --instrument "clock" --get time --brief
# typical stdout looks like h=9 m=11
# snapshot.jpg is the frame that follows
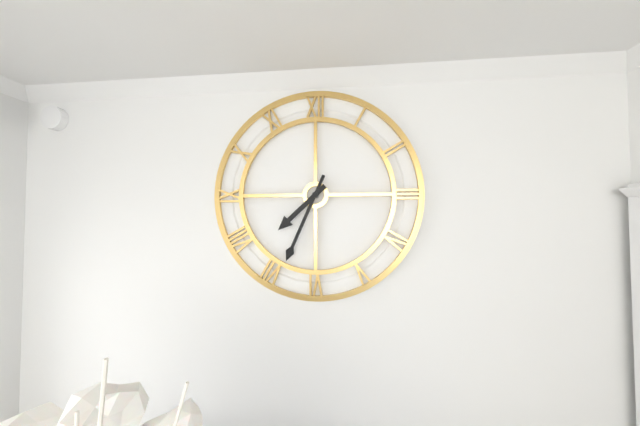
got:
h=7 m=34
